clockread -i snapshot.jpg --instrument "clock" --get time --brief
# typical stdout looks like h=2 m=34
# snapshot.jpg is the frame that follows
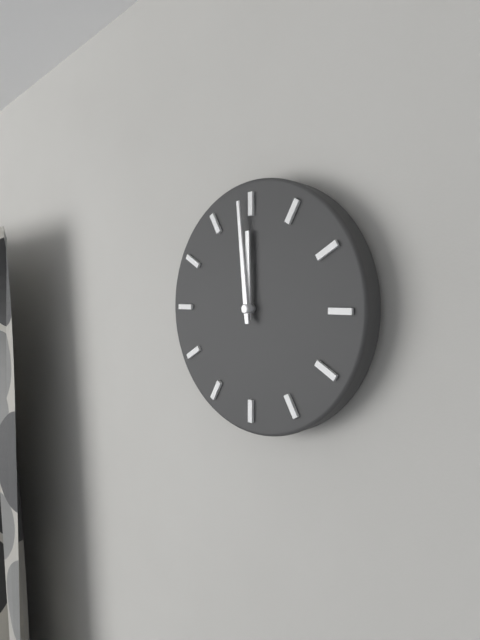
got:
h=11 m=59
